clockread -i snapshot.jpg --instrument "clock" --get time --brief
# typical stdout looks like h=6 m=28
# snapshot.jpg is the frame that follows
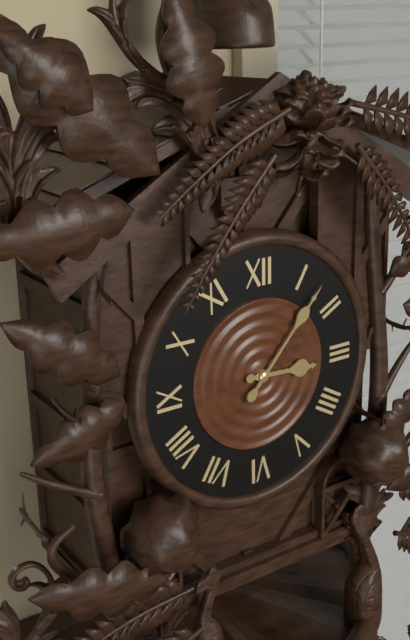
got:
h=3 m=7
